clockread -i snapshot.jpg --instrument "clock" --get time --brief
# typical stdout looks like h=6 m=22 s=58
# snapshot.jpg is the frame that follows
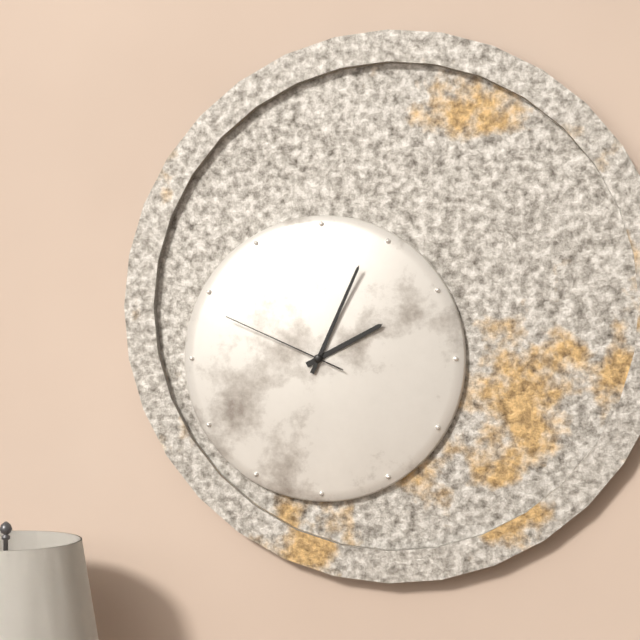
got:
h=2 m=4 s=49
